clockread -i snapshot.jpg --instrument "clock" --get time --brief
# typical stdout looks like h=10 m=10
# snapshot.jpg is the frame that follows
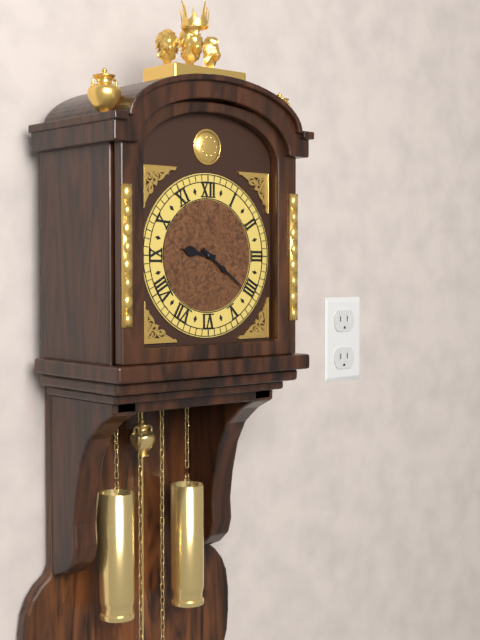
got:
h=9 m=21
